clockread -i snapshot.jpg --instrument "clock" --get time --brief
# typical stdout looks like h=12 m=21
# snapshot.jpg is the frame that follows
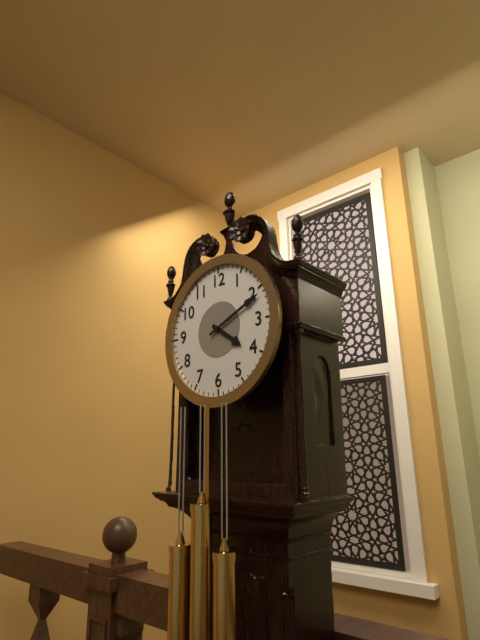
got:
h=4 m=11
